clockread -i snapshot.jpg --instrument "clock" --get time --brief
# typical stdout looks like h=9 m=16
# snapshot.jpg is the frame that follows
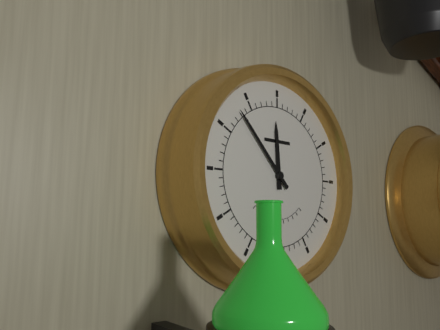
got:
h=11 m=53
